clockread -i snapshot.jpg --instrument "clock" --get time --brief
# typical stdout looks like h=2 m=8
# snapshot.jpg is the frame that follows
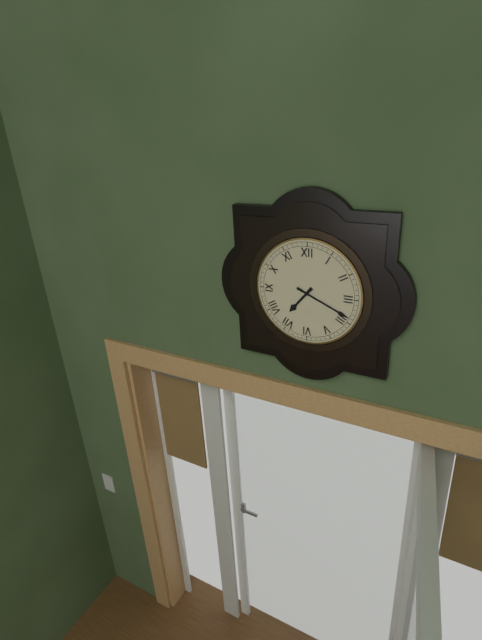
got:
h=7 m=19
